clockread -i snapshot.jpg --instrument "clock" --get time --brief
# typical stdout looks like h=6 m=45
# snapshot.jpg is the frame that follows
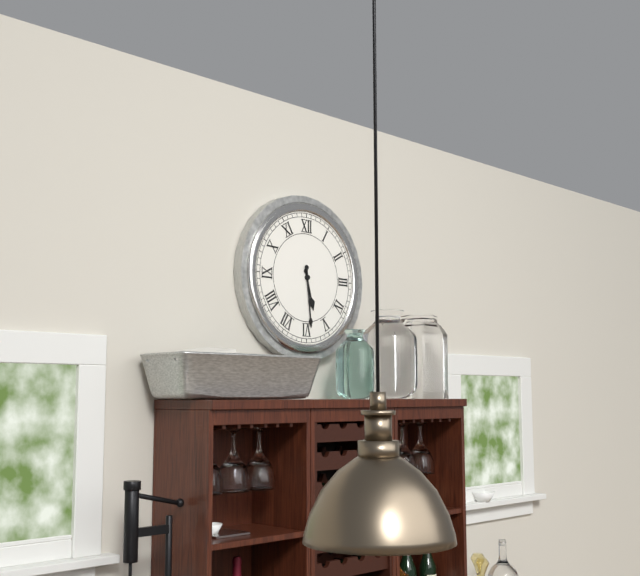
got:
h=5 m=29
